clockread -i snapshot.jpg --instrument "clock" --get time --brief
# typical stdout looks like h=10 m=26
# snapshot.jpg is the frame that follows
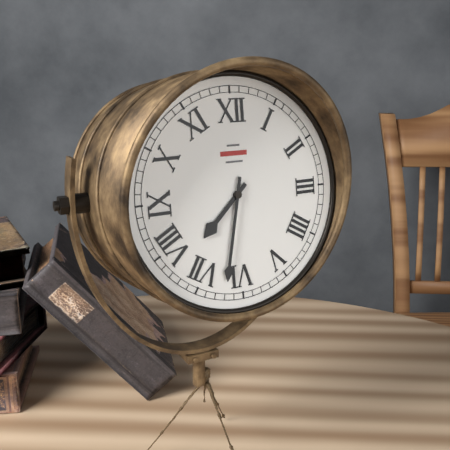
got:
h=7 m=32
